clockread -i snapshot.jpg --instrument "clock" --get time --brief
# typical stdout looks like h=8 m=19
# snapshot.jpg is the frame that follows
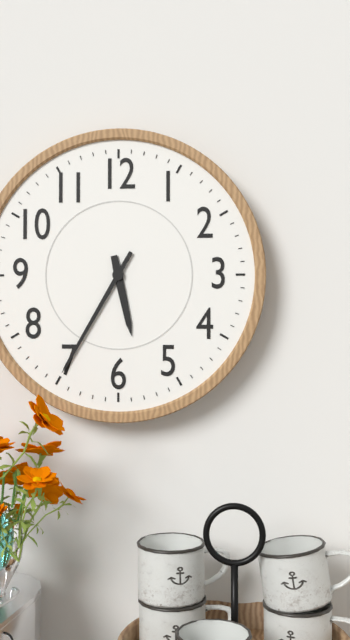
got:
h=5 m=35
